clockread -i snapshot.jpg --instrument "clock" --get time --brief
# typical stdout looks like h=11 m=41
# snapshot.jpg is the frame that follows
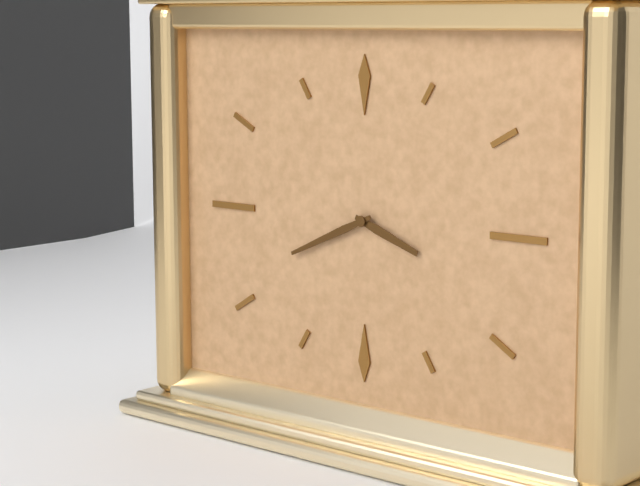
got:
h=3 m=41
